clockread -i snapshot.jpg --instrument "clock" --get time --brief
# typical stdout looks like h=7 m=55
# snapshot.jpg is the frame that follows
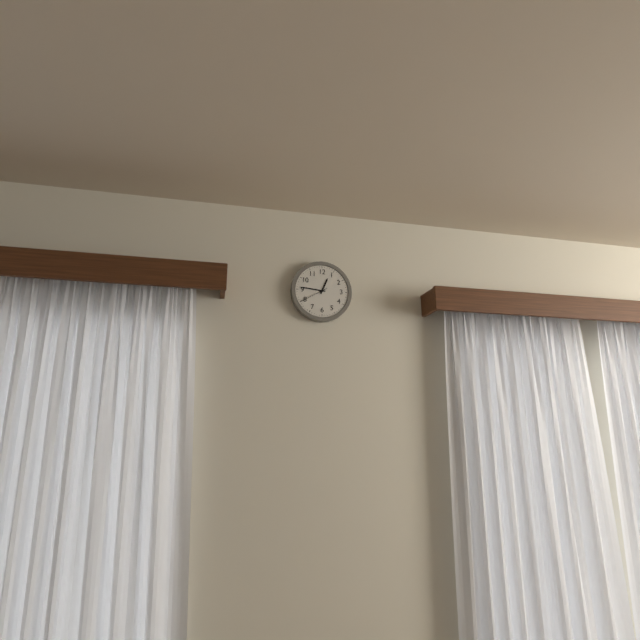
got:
h=12 m=46
